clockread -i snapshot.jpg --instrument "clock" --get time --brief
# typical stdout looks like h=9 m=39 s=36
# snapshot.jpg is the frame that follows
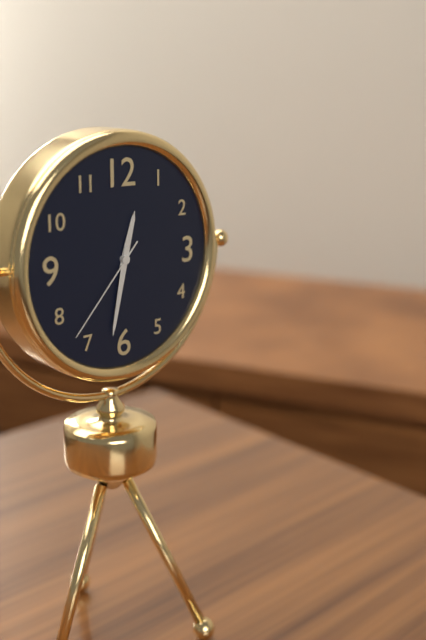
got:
h=12 m=32 s=37
